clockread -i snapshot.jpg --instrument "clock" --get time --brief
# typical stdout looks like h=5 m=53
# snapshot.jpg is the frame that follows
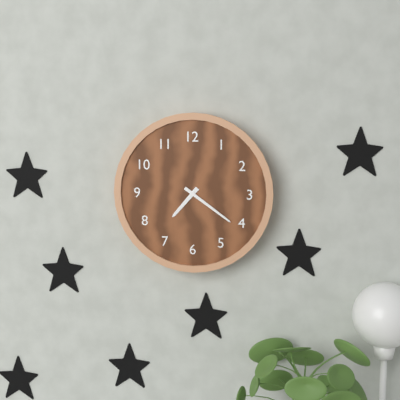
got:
h=7 m=21
